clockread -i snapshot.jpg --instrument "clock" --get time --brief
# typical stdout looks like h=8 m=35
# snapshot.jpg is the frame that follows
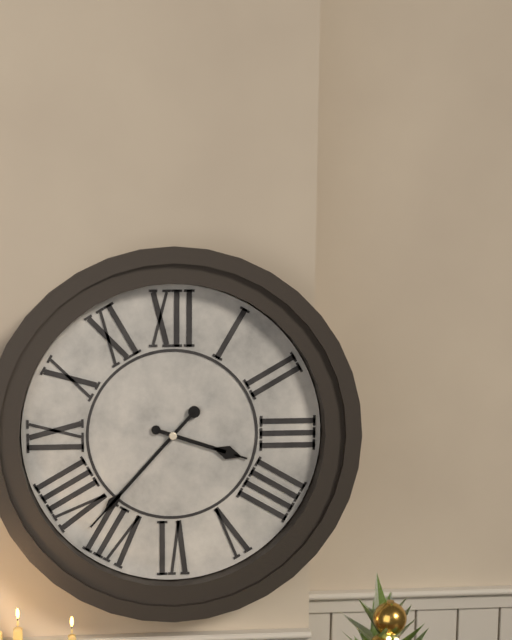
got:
h=3 m=37
